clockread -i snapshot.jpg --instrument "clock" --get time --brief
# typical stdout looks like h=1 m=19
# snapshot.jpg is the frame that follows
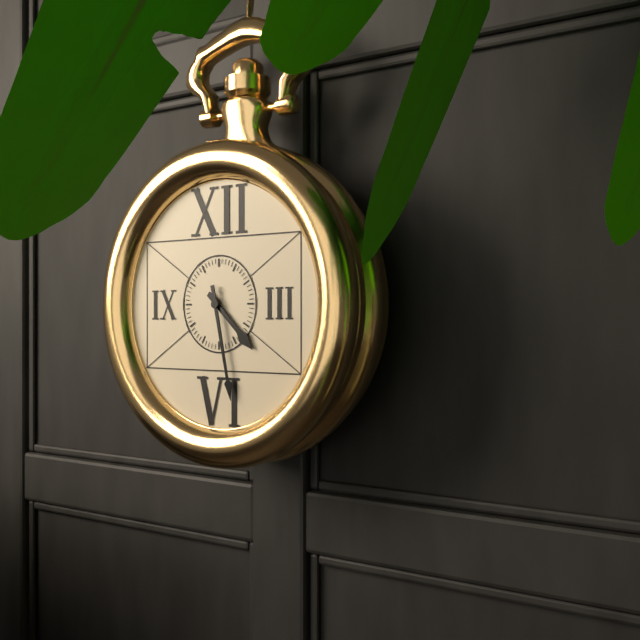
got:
h=4 m=28
